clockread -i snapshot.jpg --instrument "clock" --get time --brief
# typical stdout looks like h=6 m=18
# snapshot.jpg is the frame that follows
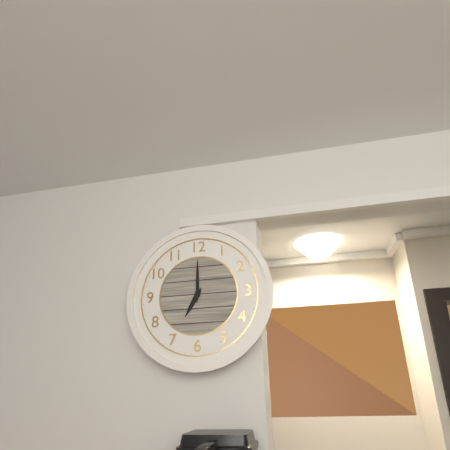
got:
h=7 m=0
